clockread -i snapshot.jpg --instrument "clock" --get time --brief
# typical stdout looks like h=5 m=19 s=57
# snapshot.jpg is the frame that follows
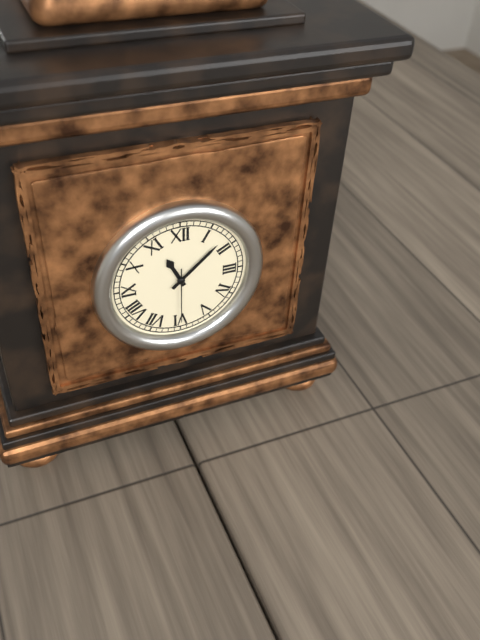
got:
h=11 m=8 s=30
